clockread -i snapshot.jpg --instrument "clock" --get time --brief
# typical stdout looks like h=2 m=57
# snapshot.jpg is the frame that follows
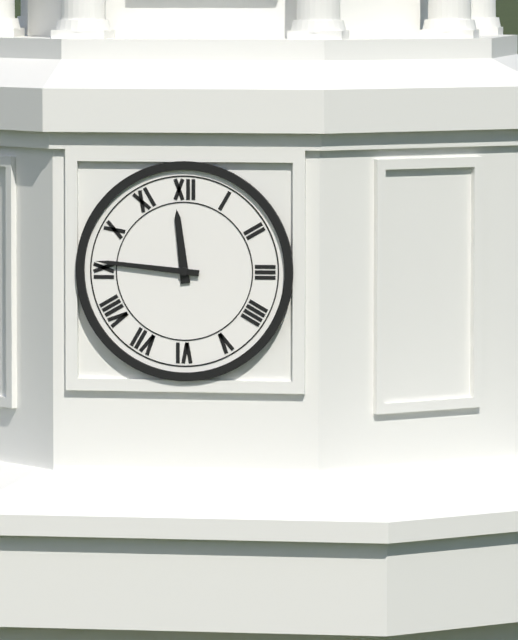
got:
h=11 m=46
